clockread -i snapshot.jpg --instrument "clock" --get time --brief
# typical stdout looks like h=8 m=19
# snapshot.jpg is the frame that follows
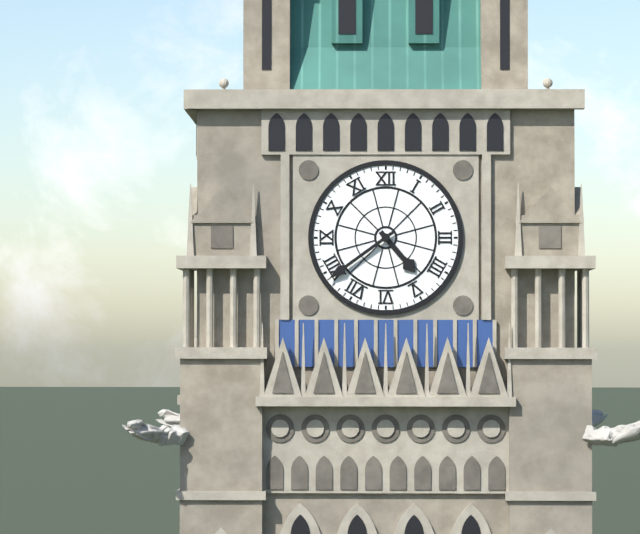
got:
h=4 m=39
